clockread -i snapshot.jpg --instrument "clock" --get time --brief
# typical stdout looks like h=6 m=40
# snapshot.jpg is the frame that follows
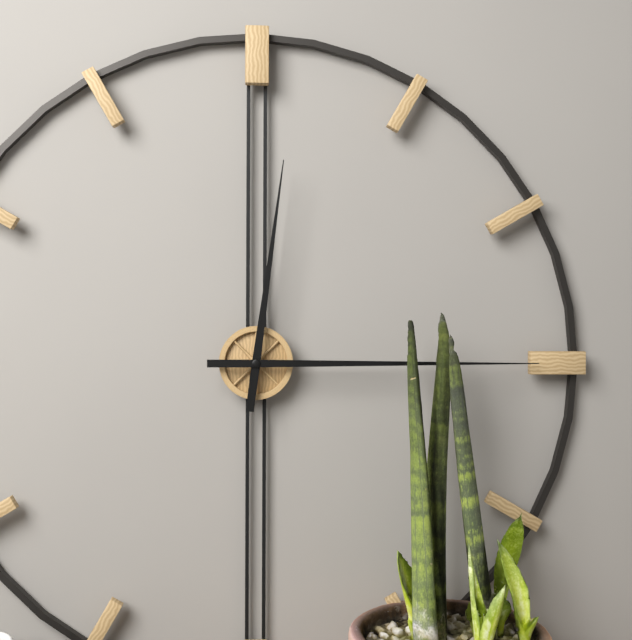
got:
h=12 m=15
